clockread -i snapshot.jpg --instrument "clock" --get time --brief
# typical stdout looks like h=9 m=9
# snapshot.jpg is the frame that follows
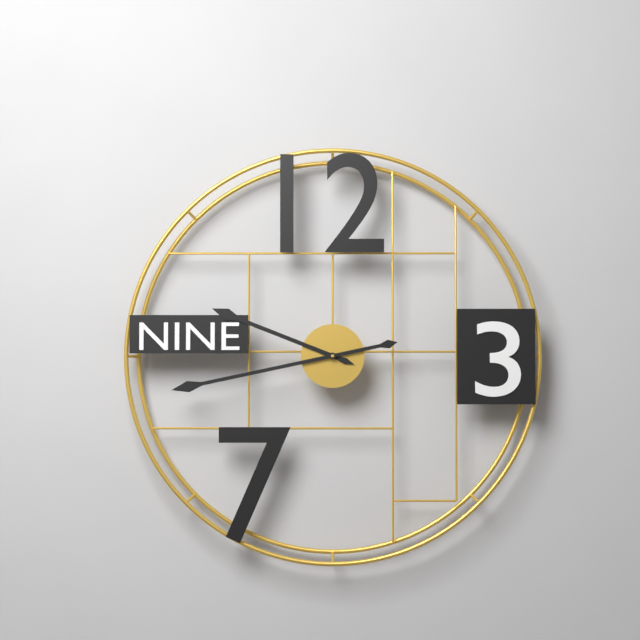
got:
h=9 m=43
